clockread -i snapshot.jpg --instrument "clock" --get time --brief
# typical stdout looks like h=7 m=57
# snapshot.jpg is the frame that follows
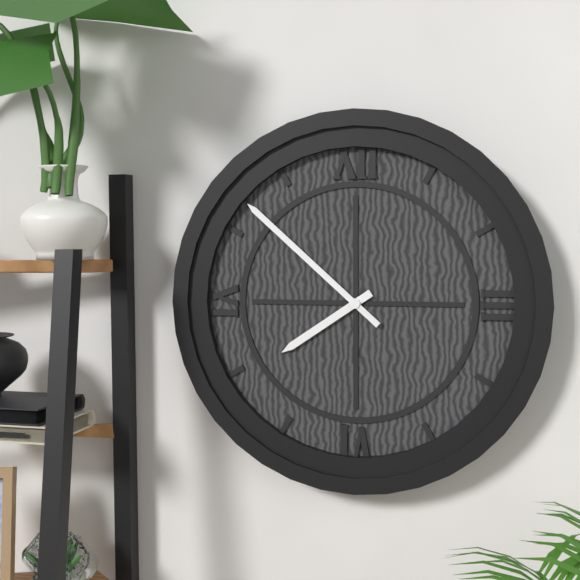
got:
h=7 m=52
